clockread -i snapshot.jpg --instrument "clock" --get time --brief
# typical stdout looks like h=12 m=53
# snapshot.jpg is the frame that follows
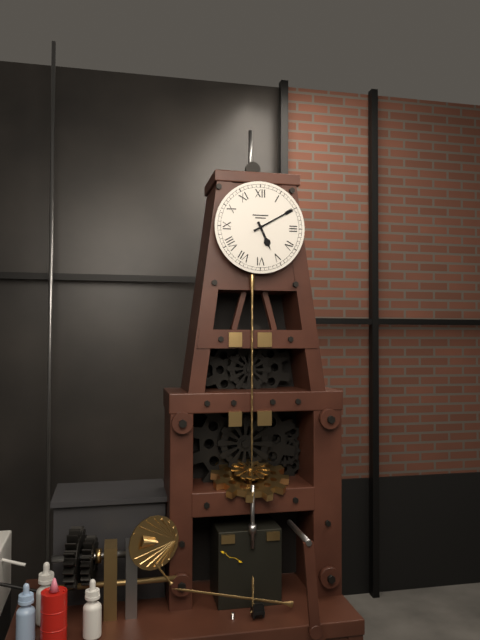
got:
h=5 m=10
